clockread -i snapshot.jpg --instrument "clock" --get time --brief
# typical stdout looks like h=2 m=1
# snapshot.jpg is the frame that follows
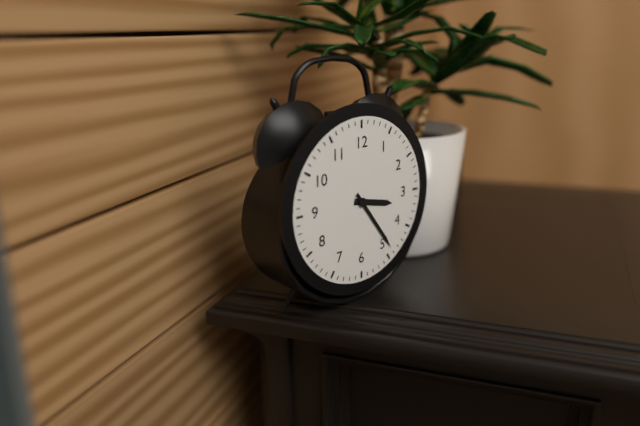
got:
h=3 m=24
